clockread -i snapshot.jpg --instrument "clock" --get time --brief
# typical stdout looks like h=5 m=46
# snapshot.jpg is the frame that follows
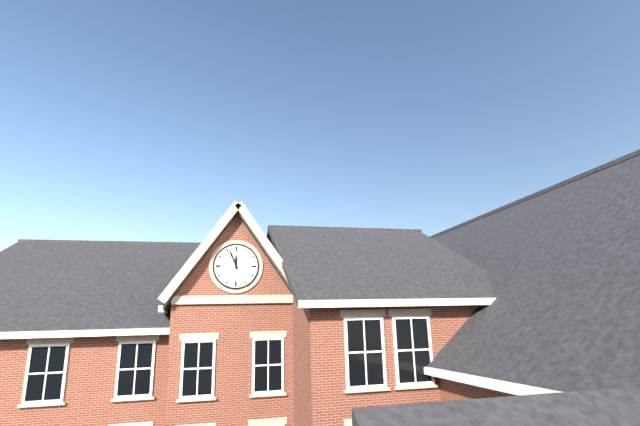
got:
h=11 m=56
